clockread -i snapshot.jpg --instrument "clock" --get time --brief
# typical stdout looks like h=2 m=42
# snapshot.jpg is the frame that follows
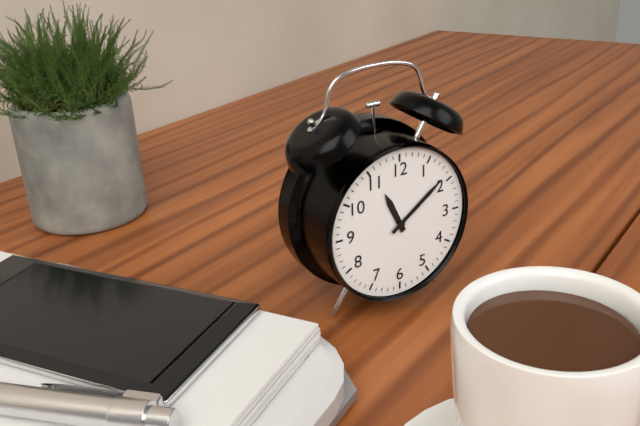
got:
h=11 m=9
